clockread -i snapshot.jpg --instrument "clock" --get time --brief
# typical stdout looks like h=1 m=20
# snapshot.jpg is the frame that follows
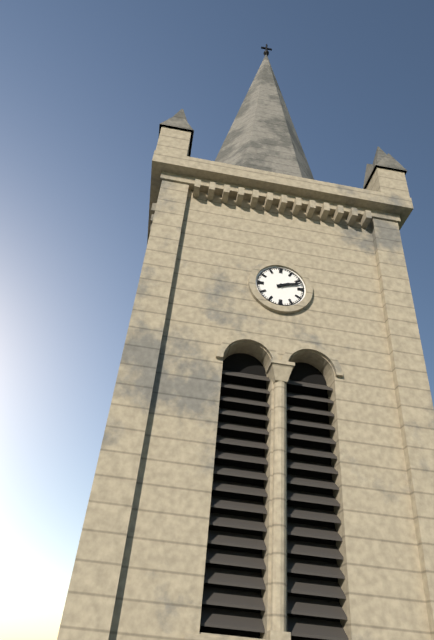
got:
h=2 m=12
